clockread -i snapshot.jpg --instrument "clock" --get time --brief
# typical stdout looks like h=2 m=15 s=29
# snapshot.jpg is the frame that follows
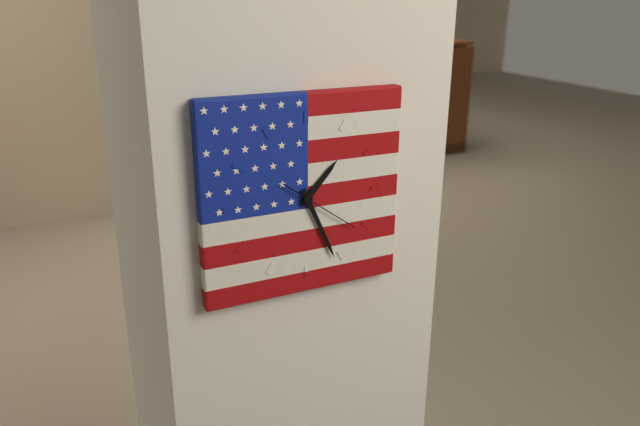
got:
h=1 m=26 s=21
